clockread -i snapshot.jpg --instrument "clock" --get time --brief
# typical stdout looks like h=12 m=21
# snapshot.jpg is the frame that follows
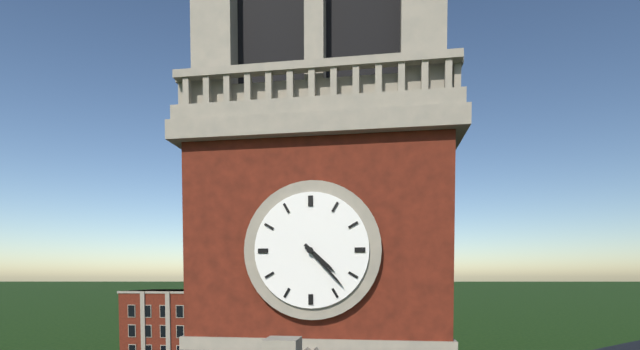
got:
h=4 m=23
